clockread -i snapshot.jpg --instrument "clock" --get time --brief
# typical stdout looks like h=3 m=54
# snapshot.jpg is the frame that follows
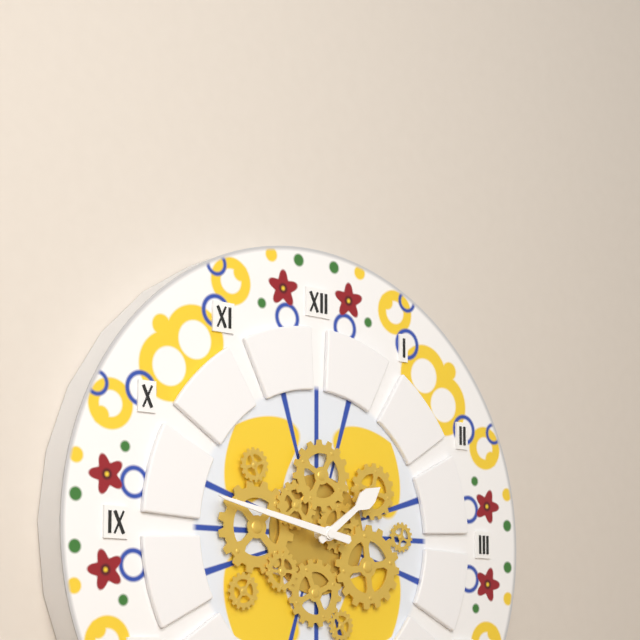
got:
h=1 m=47
